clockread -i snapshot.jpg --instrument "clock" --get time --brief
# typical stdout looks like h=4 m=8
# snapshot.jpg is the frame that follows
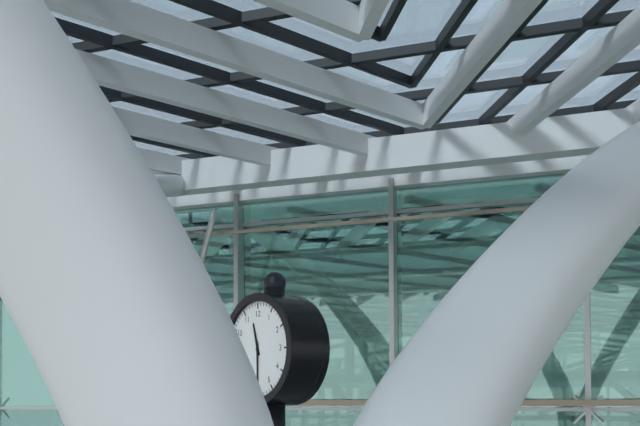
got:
h=11 m=30
